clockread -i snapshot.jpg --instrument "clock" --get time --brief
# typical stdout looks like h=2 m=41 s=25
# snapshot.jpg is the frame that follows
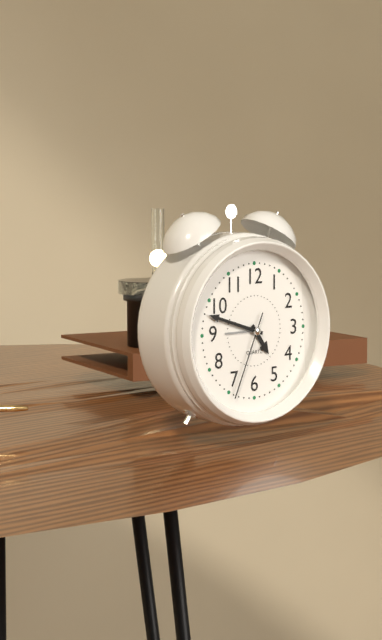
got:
h=4 m=48 s=34
